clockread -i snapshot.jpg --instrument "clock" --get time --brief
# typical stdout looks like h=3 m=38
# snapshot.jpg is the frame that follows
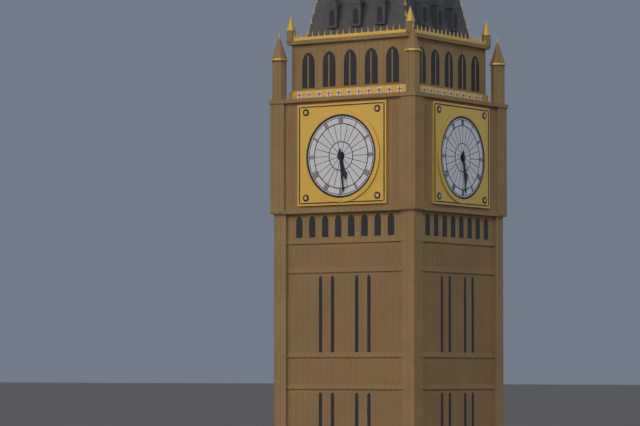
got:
h=5 m=29
